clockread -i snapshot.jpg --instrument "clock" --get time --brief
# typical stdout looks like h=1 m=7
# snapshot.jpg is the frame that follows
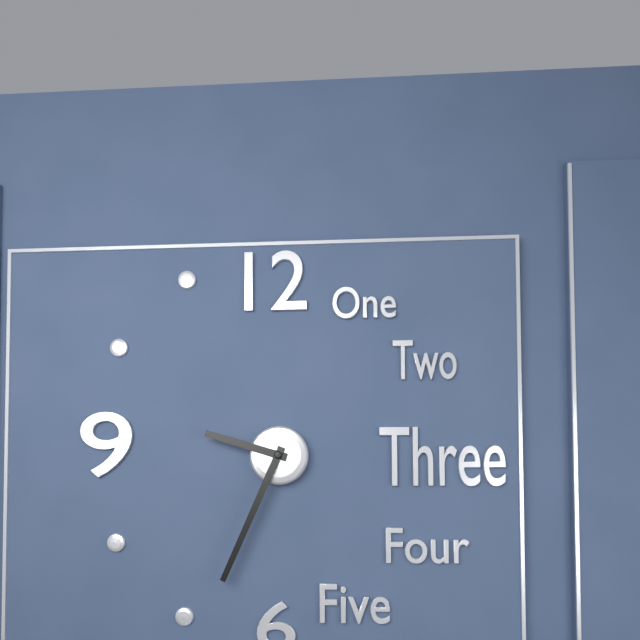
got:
h=9 m=34
